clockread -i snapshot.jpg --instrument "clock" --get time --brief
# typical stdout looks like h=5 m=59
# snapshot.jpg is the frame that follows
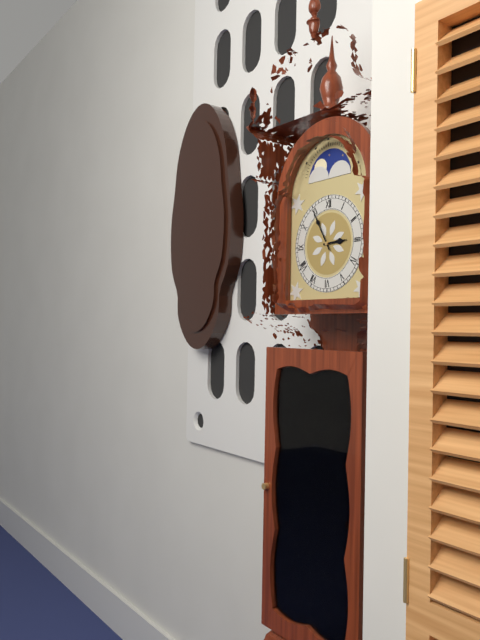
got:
h=2 m=55
